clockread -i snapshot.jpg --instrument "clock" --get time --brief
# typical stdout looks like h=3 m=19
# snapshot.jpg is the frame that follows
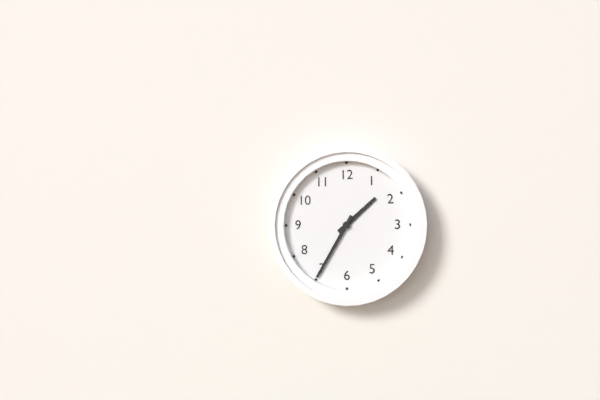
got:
h=1 m=35
